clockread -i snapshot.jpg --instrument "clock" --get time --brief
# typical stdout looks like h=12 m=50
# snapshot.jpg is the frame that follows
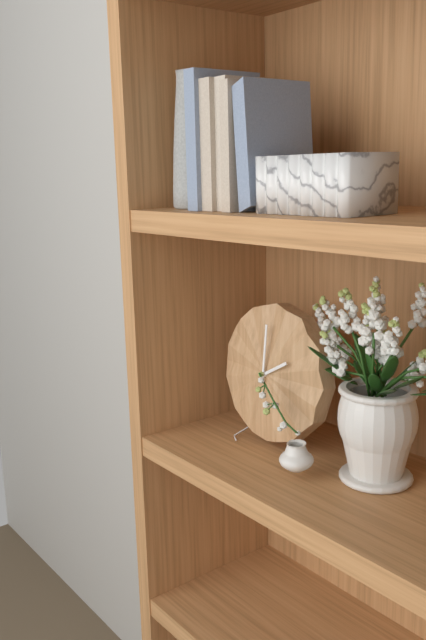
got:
h=2 m=0
